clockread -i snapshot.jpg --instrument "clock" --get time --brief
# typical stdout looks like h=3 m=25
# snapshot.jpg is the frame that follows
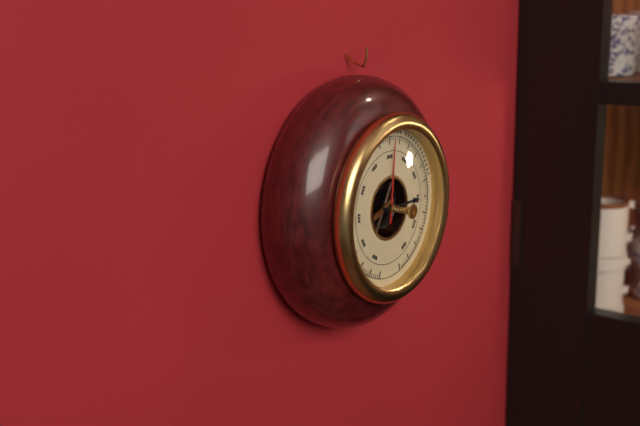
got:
h=3 m=1
